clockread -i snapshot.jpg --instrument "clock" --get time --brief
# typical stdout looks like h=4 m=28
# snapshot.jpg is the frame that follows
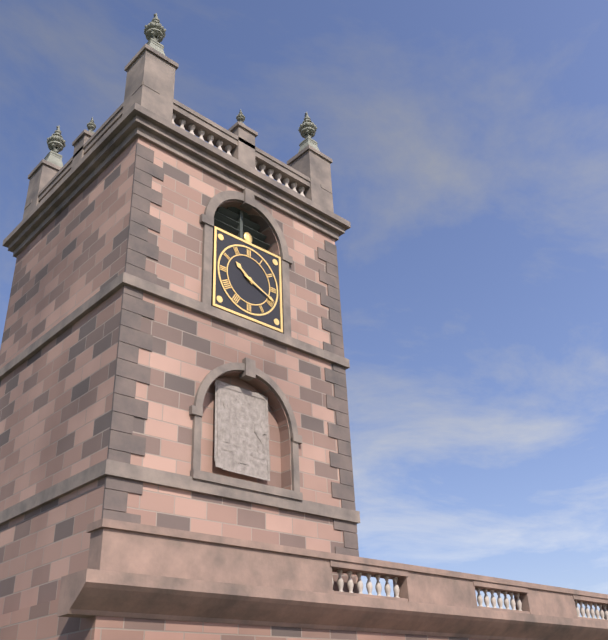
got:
h=10 m=19
